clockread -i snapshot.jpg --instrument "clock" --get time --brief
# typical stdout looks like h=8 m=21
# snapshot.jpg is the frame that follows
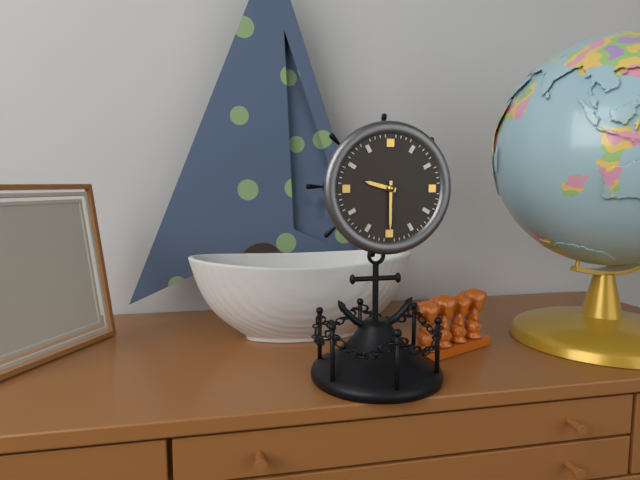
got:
h=9 m=30
